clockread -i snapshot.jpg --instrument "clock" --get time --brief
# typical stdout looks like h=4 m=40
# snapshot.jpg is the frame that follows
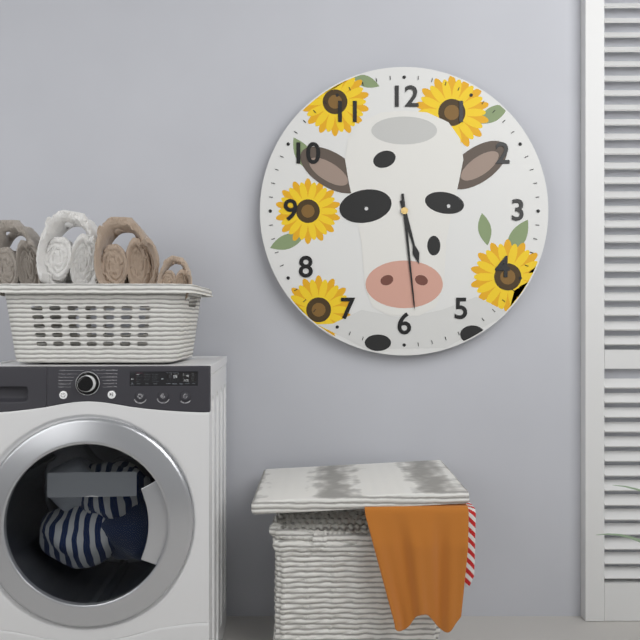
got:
h=5 m=29
